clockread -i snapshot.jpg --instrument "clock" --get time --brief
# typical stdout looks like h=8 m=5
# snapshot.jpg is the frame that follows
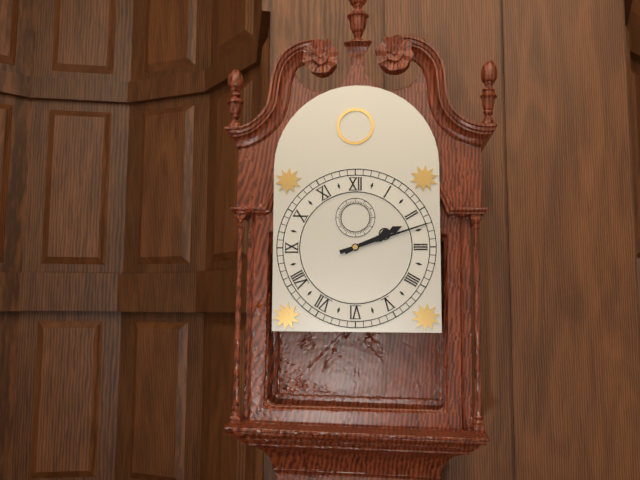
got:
h=2 m=12
